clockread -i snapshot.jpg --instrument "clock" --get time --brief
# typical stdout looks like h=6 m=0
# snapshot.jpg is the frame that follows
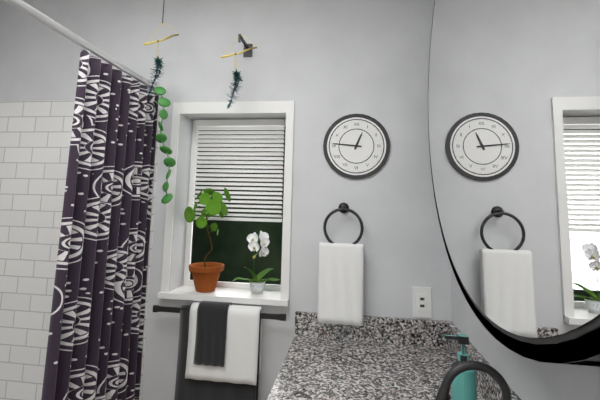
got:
h=12 m=46
